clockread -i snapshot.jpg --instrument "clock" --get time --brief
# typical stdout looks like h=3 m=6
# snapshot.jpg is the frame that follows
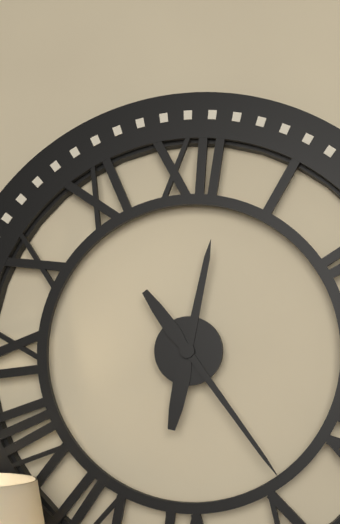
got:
h=12 m=24
